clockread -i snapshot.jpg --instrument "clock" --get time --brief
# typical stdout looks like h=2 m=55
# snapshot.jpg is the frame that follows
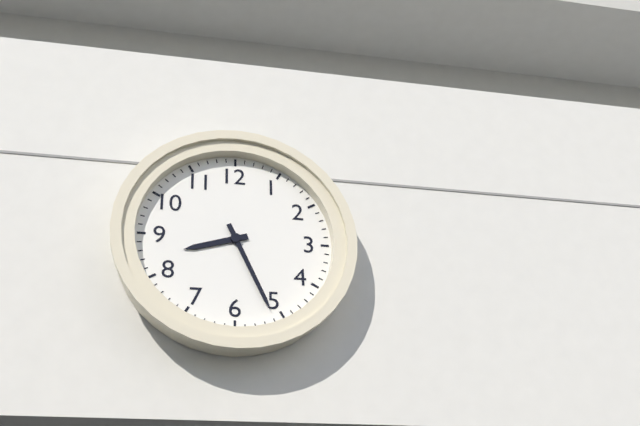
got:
h=8 m=26
